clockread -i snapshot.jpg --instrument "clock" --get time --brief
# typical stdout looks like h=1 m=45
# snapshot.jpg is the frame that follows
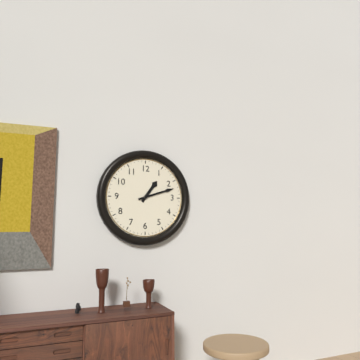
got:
h=1 m=12
